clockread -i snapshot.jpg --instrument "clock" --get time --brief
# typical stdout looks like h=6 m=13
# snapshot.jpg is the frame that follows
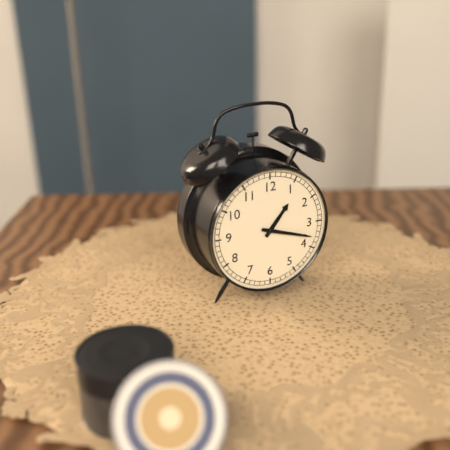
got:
h=1 m=18
